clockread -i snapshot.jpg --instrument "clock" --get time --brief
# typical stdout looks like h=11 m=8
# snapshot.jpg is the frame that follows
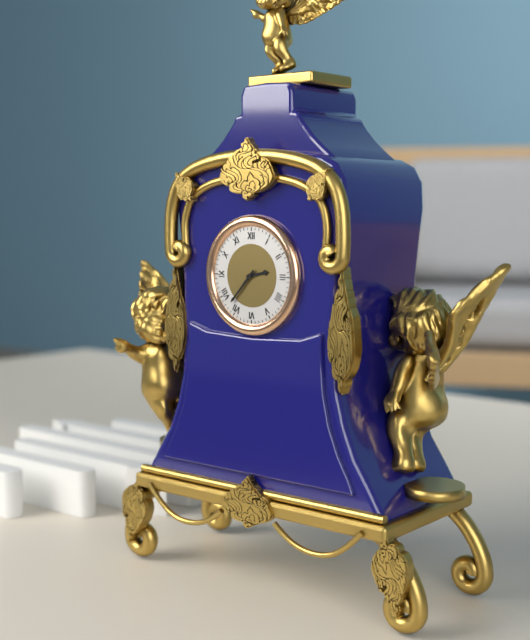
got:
h=2 m=37
